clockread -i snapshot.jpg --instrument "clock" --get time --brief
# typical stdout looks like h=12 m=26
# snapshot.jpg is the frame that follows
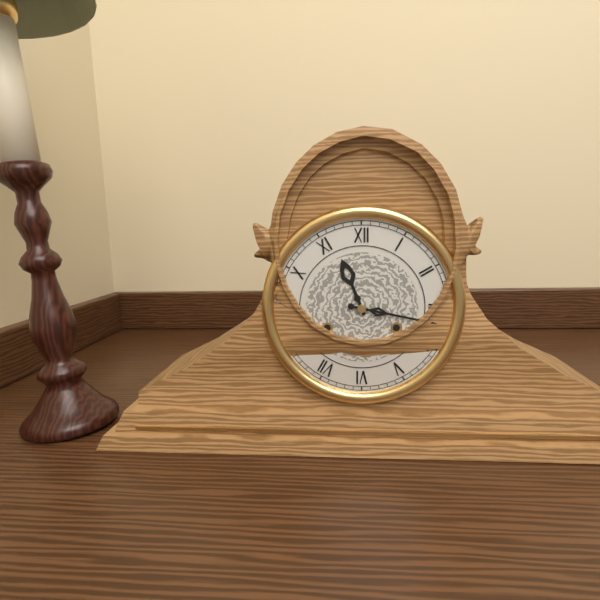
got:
h=11 m=17
